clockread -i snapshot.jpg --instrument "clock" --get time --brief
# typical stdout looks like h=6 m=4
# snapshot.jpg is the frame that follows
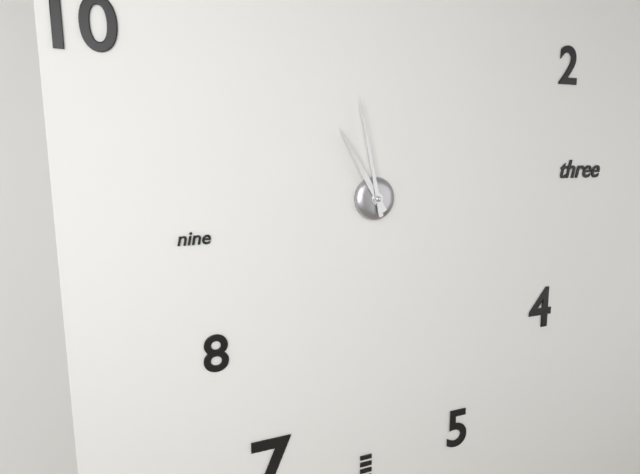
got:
h=10 m=58
